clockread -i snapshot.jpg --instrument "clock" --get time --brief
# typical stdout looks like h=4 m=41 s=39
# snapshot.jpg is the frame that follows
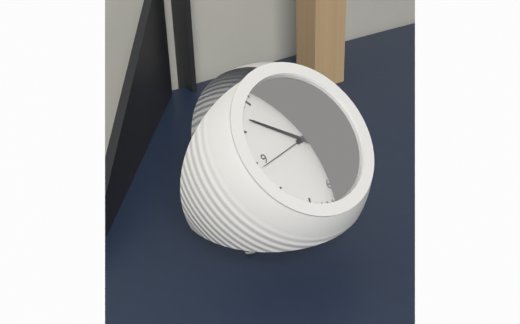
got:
h=2 m=52 s=44
